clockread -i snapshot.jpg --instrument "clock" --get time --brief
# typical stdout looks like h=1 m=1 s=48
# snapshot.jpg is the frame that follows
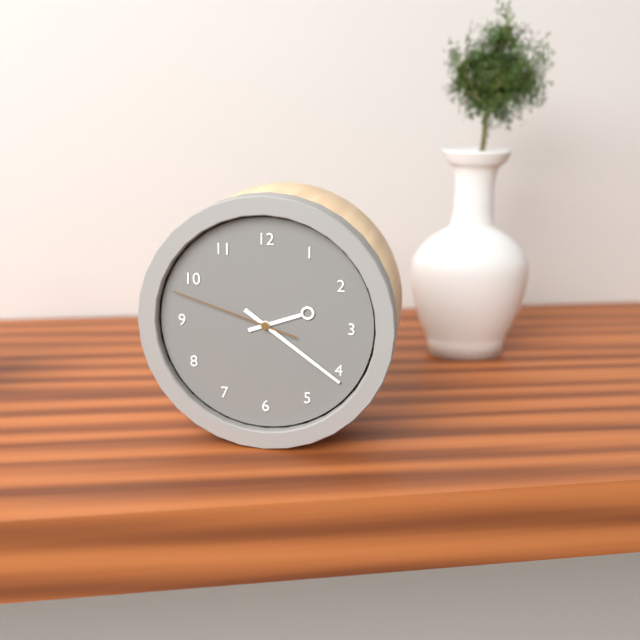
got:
h=2 m=21 s=48
